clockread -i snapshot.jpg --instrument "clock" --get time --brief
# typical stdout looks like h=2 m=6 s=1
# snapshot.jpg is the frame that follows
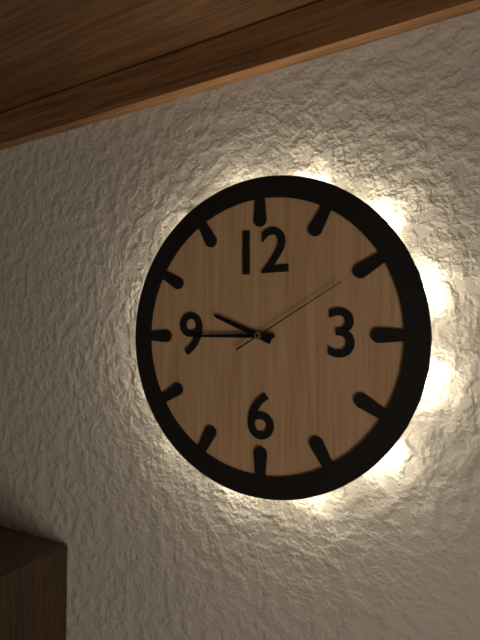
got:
h=9 m=45 s=10
